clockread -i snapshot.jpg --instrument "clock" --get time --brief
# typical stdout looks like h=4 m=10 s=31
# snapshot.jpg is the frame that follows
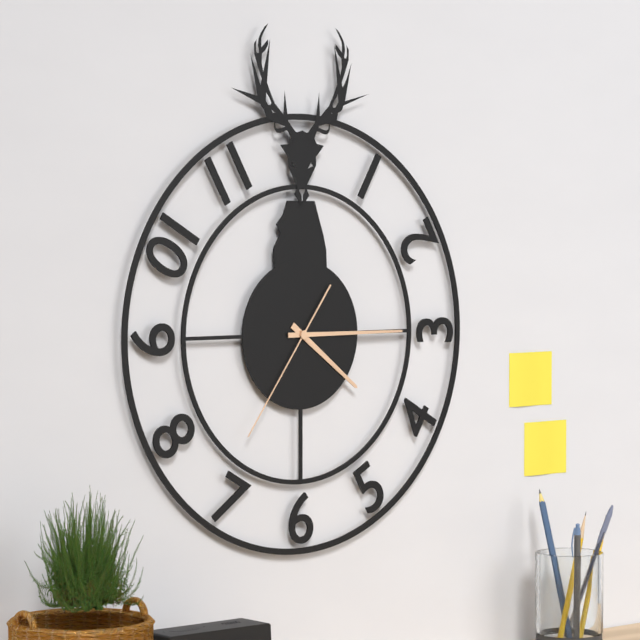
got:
h=4 m=15 s=36
